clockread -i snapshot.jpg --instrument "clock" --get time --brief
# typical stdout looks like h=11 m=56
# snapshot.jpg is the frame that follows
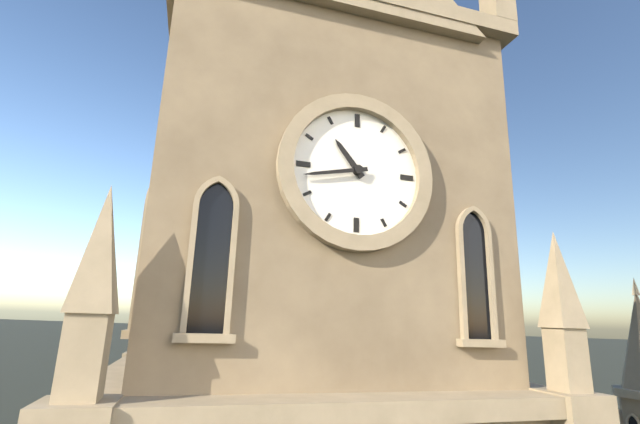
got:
h=10 m=43
